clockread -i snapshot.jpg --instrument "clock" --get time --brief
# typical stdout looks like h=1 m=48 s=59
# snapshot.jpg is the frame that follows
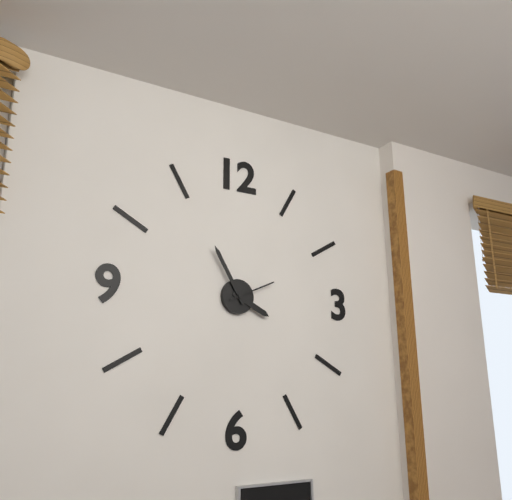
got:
h=3 m=55 s=11
